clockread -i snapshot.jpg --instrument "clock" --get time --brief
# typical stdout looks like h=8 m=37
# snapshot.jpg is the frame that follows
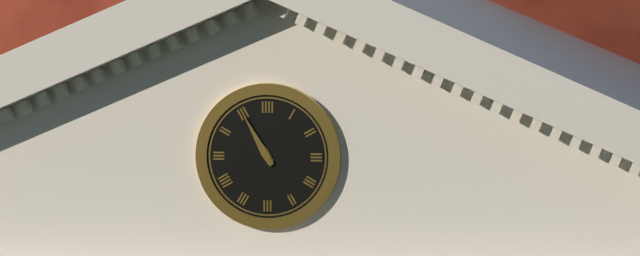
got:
h=10 m=55
